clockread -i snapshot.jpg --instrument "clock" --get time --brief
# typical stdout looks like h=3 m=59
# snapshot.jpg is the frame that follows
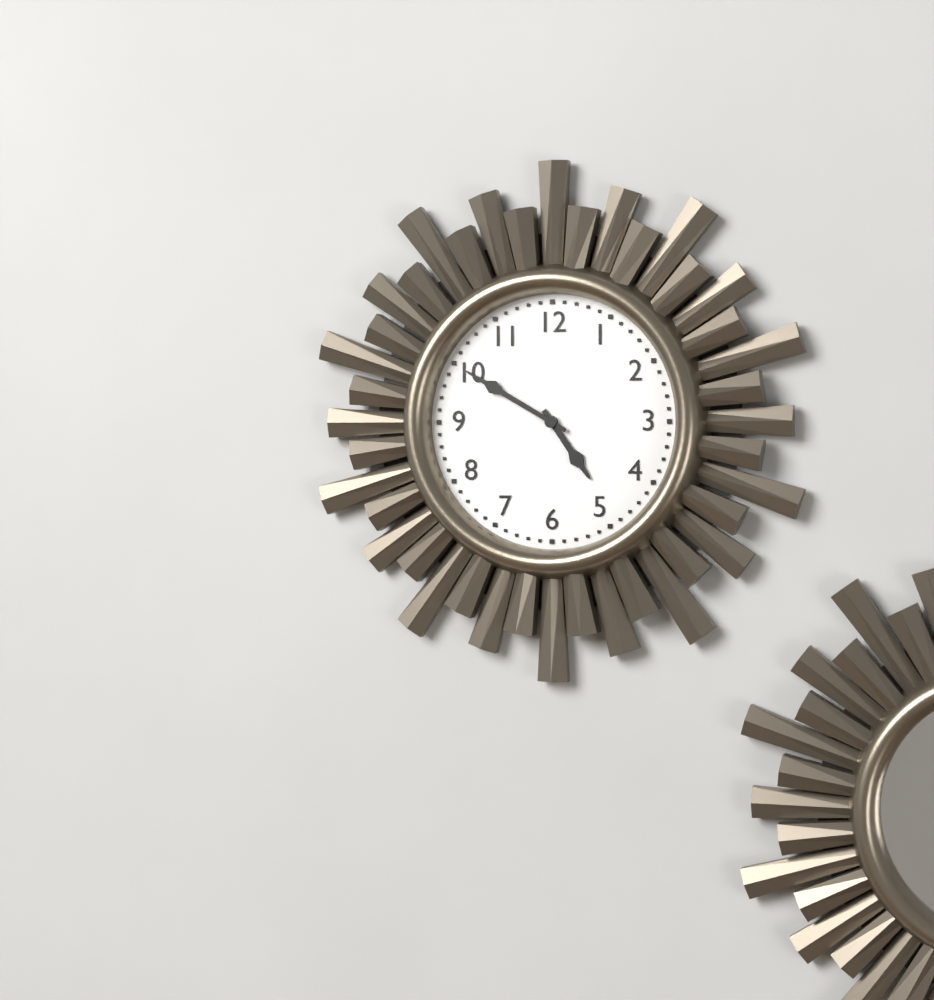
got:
h=4 m=50
